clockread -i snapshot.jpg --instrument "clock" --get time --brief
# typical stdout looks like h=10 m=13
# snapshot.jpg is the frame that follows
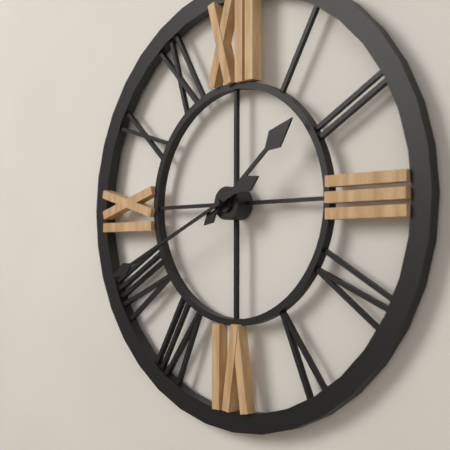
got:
h=1 m=41
